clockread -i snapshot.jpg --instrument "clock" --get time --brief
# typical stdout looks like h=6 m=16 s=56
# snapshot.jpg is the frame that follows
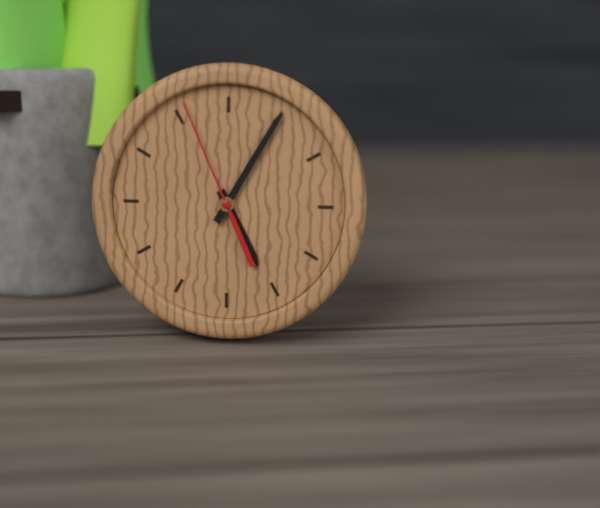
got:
h=5 m=5 s=56
